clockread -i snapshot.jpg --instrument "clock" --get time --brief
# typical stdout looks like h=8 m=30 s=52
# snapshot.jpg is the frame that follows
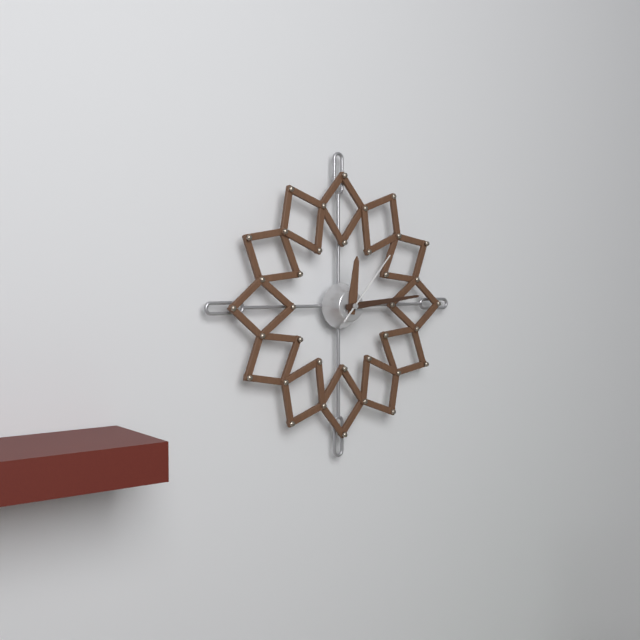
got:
h=12 m=14 s=7
